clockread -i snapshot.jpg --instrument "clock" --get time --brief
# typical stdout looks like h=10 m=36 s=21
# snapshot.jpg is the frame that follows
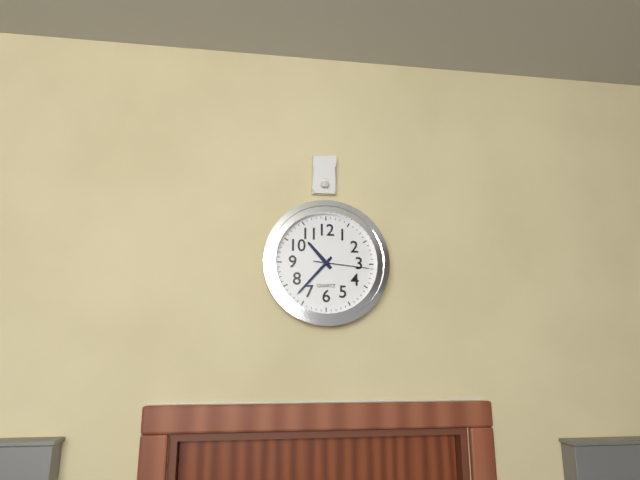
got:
h=10 m=37 s=16
